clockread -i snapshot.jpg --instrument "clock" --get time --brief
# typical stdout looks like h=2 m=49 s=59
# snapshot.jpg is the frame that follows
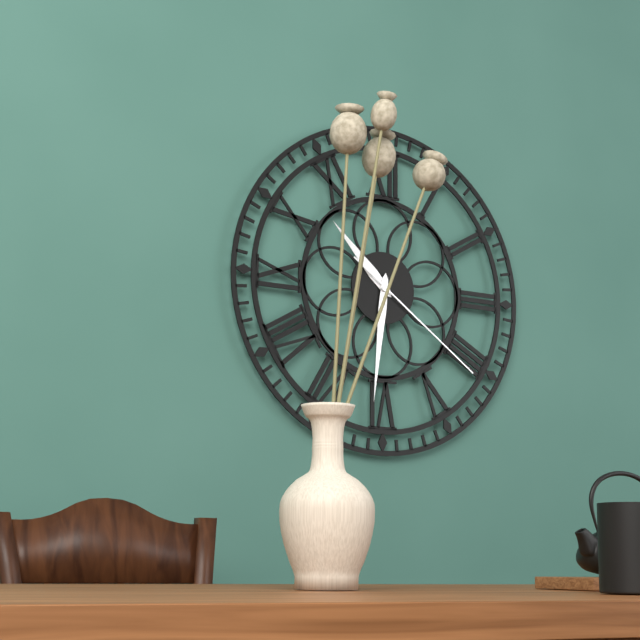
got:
h=10 m=31 s=21
